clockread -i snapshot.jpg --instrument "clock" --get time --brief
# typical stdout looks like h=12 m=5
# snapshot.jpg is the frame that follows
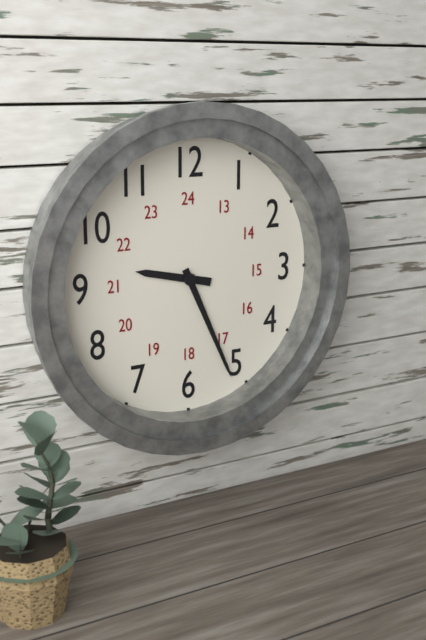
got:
h=9 m=26
